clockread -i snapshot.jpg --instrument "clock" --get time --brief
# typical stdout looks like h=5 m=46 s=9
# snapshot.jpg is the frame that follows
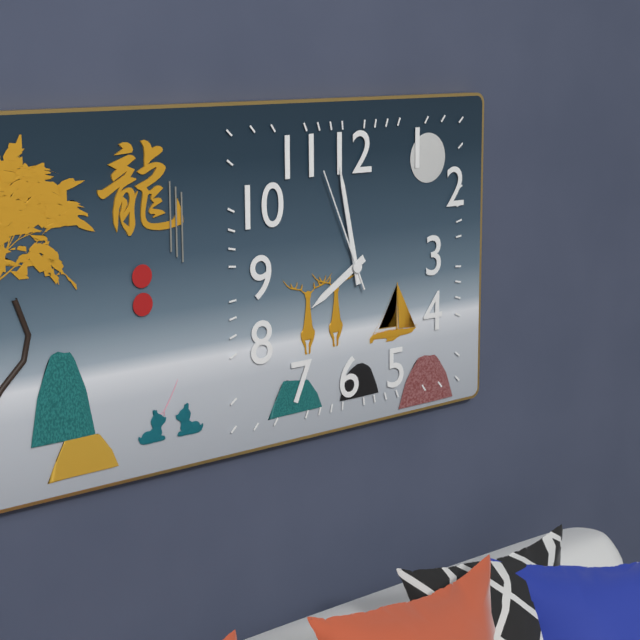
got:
h=7 m=58 s=56
